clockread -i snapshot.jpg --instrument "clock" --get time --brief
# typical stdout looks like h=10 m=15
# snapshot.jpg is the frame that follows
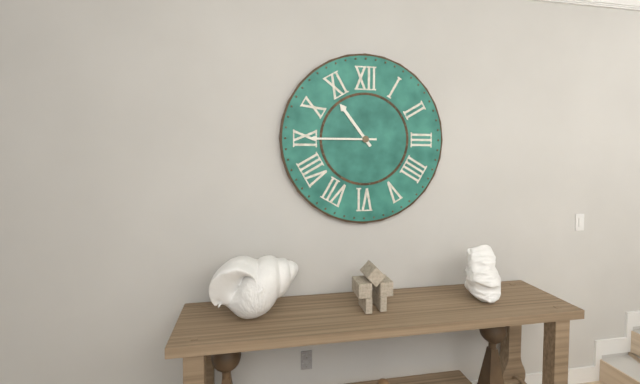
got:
h=10 m=45
